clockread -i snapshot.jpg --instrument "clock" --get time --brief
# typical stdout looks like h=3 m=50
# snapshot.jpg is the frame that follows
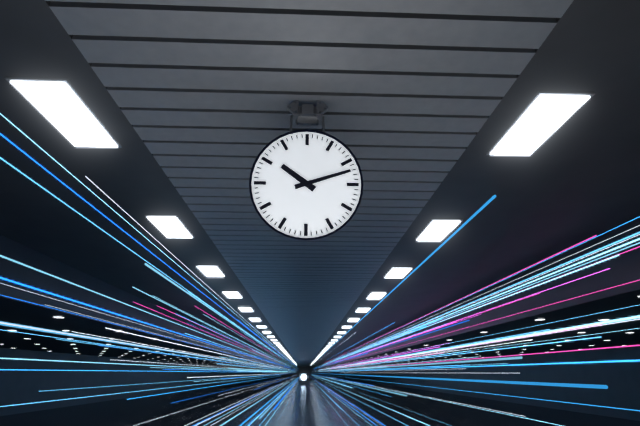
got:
h=10 m=12
